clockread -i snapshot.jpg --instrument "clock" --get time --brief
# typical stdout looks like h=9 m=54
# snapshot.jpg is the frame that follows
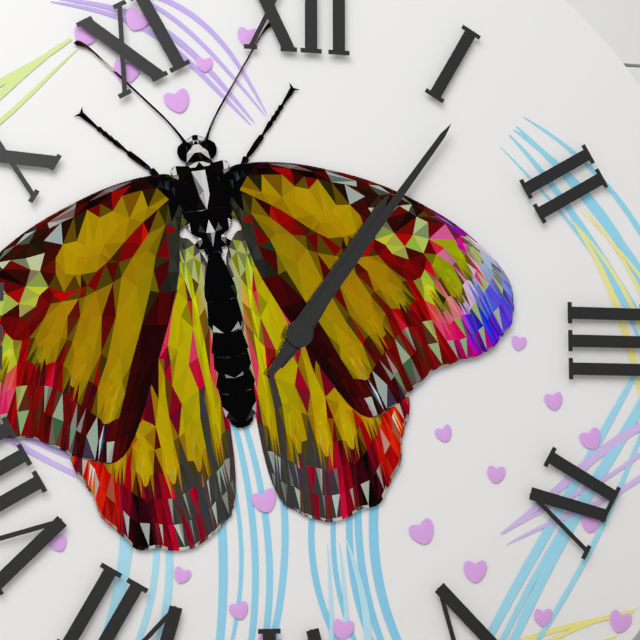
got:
h=1 m=6
